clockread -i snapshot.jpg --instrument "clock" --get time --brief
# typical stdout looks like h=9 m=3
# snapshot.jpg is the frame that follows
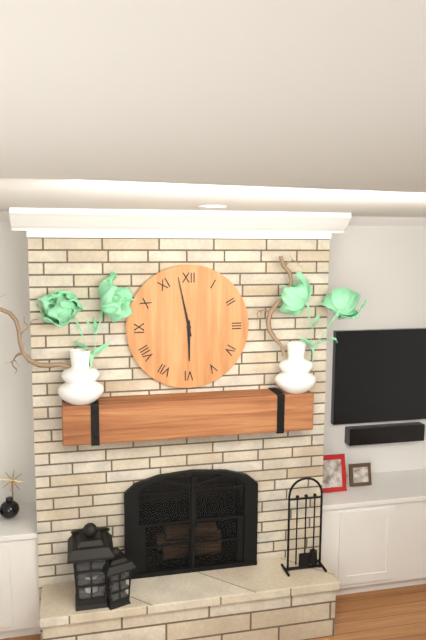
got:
h=5 m=58
